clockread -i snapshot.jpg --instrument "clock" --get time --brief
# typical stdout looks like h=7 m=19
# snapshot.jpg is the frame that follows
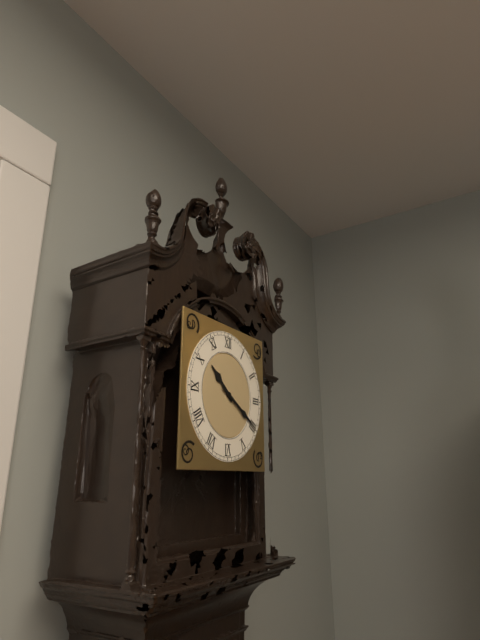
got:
h=10 m=20
